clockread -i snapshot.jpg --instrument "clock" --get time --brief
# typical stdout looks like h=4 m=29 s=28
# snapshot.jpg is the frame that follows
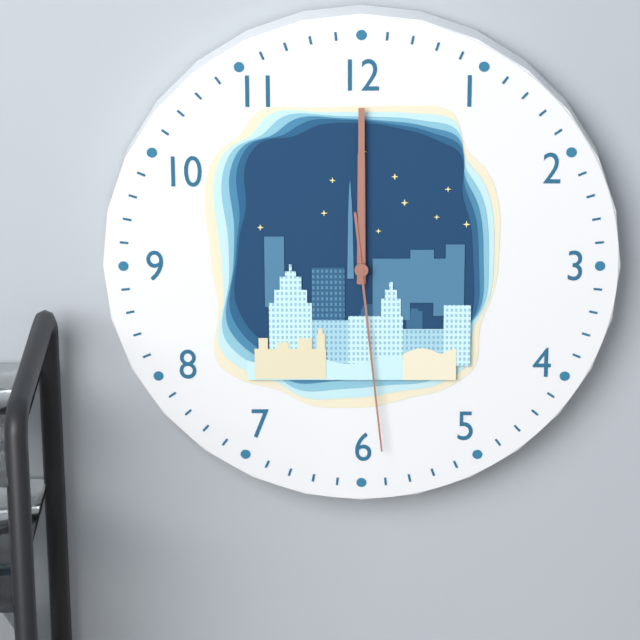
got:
h=12 m=0 s=29
